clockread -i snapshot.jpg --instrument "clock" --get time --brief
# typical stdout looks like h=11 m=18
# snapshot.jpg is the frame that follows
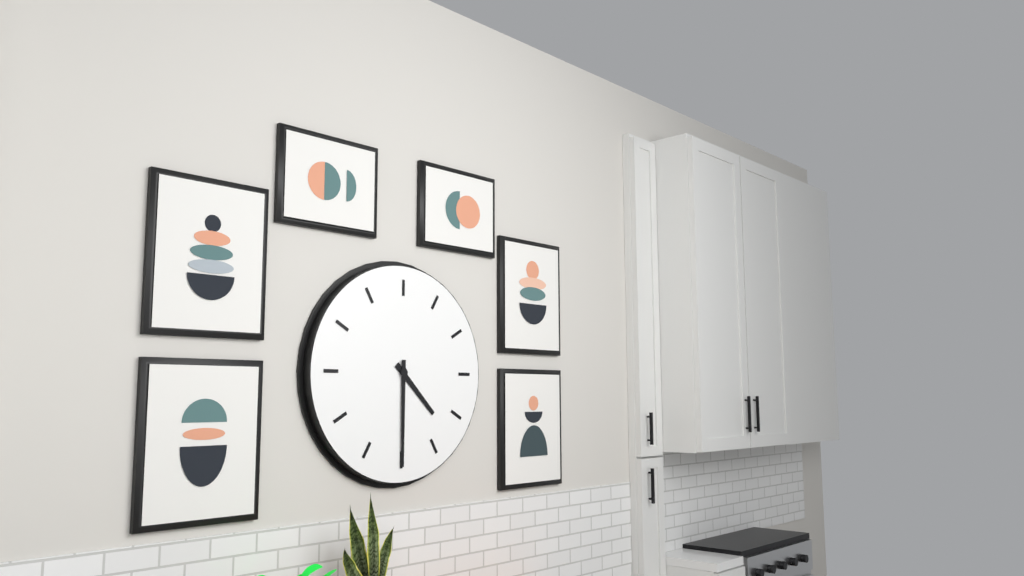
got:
h=4 m=30
